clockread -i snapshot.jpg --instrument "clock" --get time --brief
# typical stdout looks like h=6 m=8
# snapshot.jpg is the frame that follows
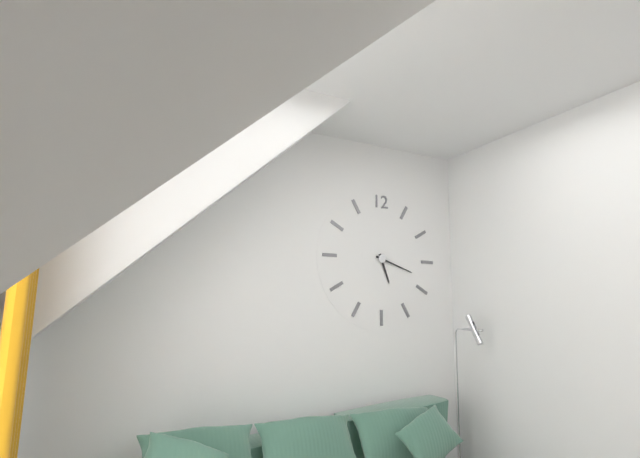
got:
h=5 m=18
